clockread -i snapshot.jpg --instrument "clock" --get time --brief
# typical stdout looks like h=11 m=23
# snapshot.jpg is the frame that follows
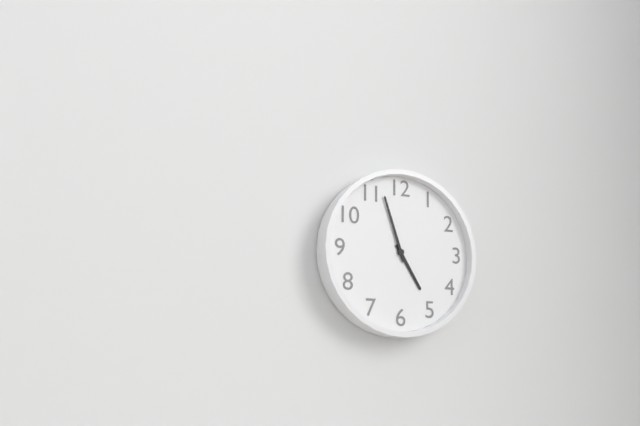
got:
h=4 m=57
